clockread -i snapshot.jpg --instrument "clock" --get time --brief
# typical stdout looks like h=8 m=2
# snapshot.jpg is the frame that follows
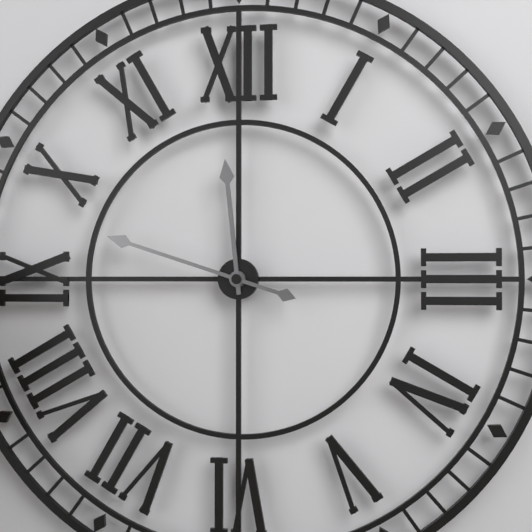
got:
h=11 m=48
